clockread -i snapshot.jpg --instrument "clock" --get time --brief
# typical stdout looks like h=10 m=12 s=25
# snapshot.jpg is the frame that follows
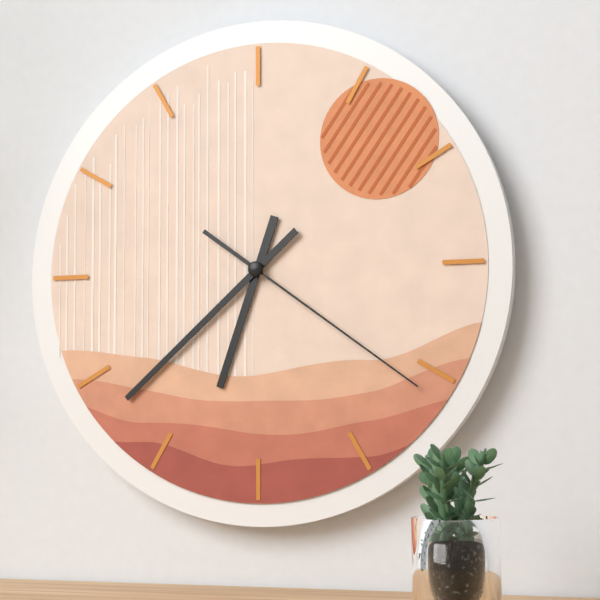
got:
h=6 m=38 s=21
